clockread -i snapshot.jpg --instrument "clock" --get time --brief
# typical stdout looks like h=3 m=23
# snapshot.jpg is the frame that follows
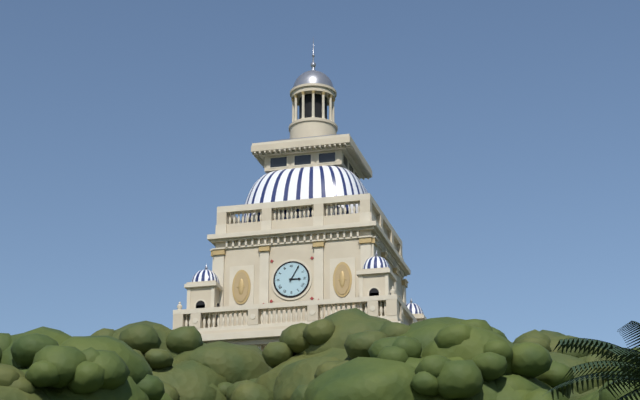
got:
h=3 m=5
